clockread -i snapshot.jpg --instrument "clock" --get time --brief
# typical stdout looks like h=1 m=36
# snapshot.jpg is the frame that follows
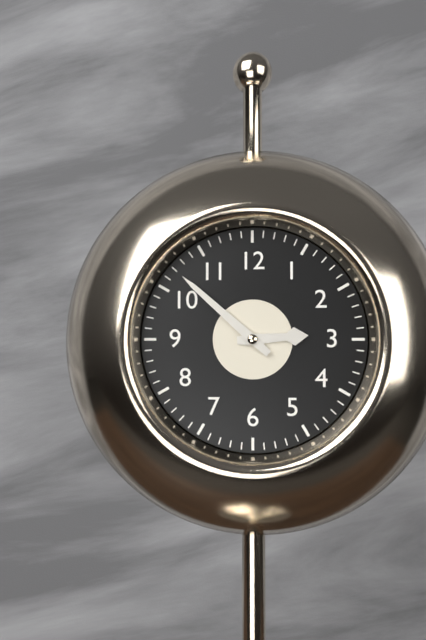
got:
h=2 m=52
